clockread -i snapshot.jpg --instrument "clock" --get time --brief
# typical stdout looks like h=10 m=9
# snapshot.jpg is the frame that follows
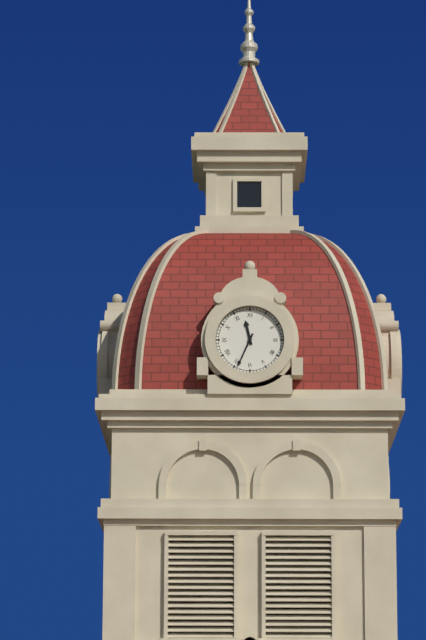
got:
h=11 m=34
